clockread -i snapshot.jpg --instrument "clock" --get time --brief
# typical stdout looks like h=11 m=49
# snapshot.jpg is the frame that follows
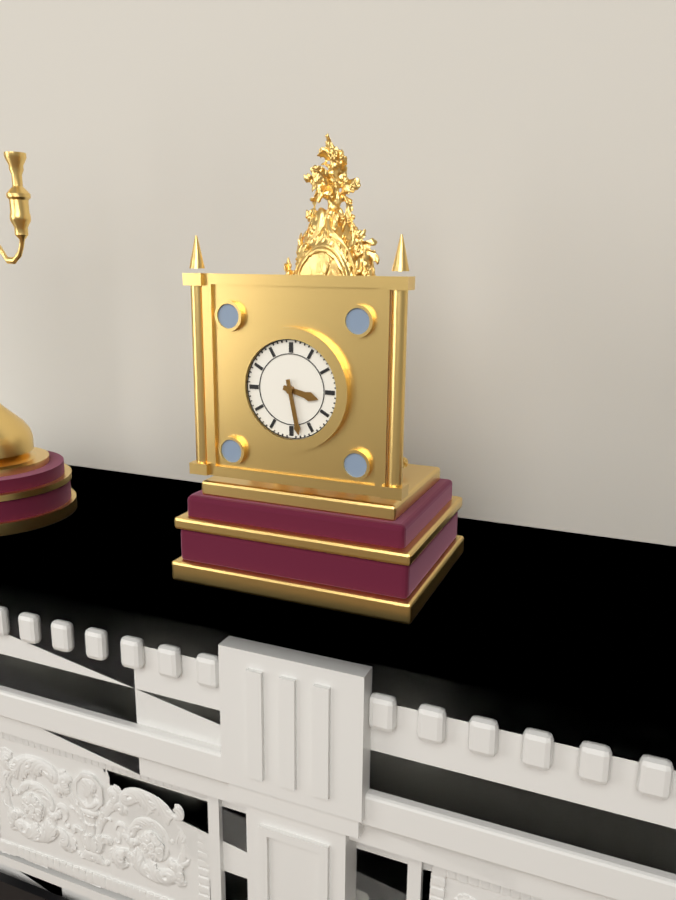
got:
h=3 m=28
